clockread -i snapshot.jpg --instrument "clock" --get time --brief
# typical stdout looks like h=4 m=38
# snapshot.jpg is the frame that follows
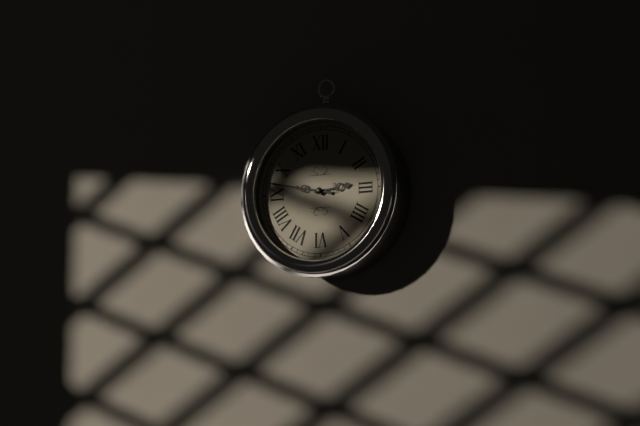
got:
h=2 m=47
